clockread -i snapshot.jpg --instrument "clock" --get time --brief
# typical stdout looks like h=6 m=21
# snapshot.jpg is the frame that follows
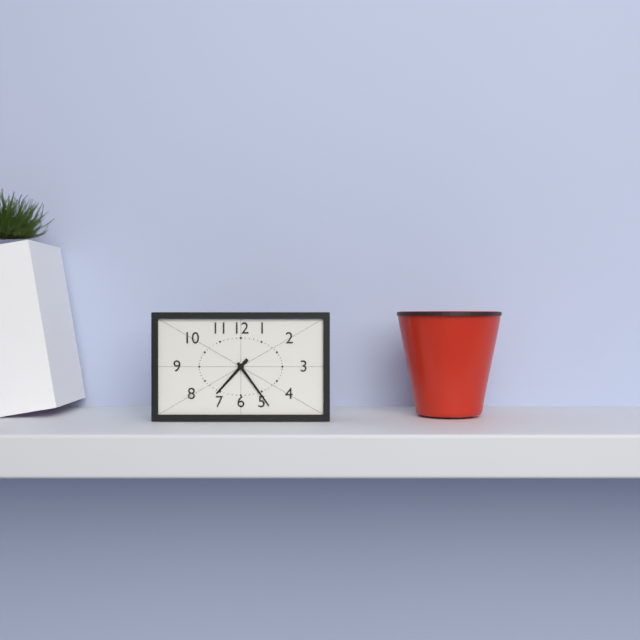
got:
h=7 m=24
